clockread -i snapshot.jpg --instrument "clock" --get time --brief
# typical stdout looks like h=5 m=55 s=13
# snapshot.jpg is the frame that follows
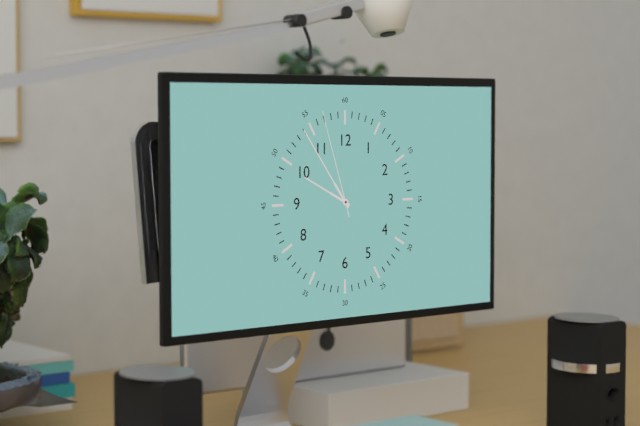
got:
h=9 m=54 s=57
